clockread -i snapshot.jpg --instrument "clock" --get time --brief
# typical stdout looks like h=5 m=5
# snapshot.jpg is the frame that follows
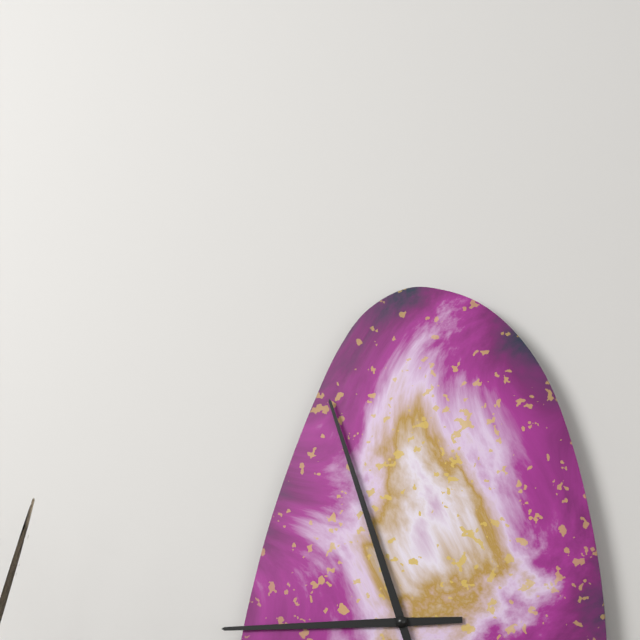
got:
h=8 m=57
